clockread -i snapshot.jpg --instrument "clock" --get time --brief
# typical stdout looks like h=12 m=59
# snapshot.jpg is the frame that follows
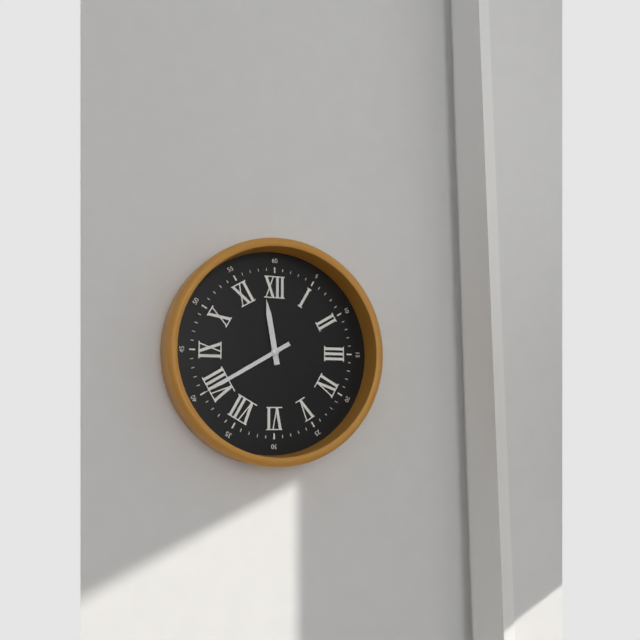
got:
h=11 m=40
